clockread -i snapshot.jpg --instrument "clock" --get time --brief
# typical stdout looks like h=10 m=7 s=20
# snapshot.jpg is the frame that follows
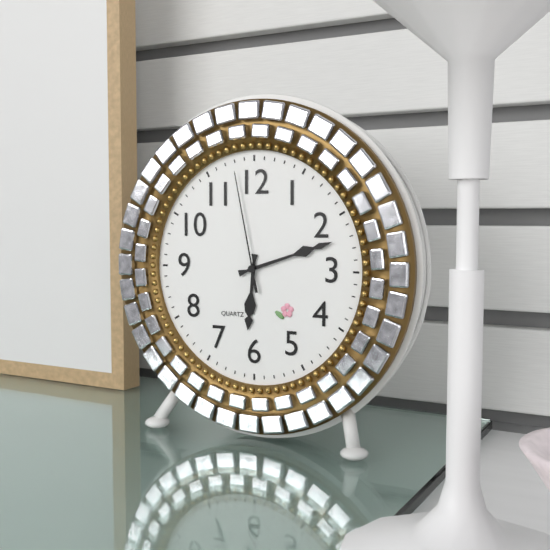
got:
h=6 m=12 s=58
